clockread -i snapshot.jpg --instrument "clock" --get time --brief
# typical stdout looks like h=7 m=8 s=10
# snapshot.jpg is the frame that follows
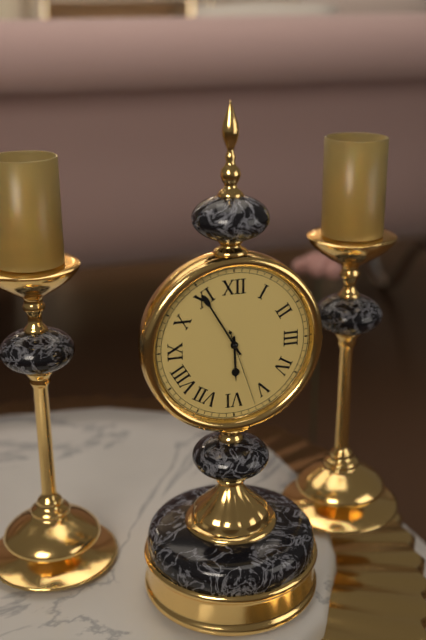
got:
h=5 m=55 s=27
